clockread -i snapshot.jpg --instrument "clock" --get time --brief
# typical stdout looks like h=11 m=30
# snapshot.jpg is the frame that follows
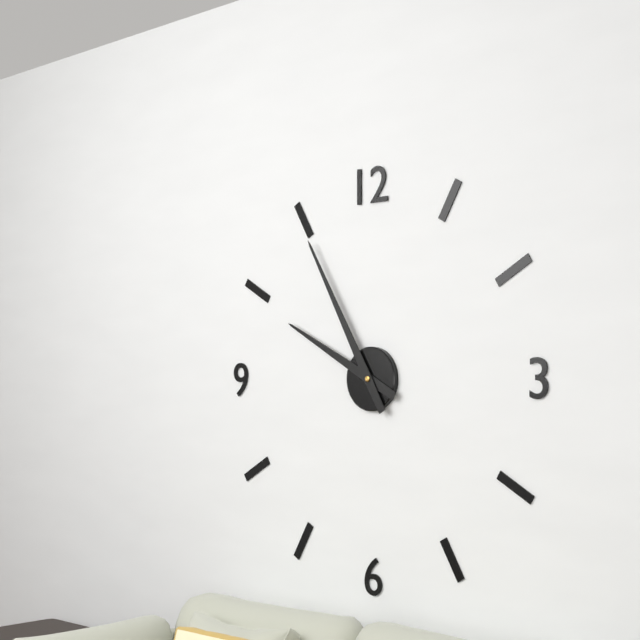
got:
h=9 m=55
